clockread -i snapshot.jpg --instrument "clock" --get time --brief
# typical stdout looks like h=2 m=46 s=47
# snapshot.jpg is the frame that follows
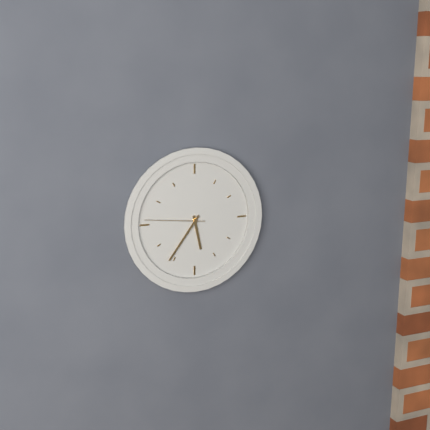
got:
h=5 m=36 s=46
